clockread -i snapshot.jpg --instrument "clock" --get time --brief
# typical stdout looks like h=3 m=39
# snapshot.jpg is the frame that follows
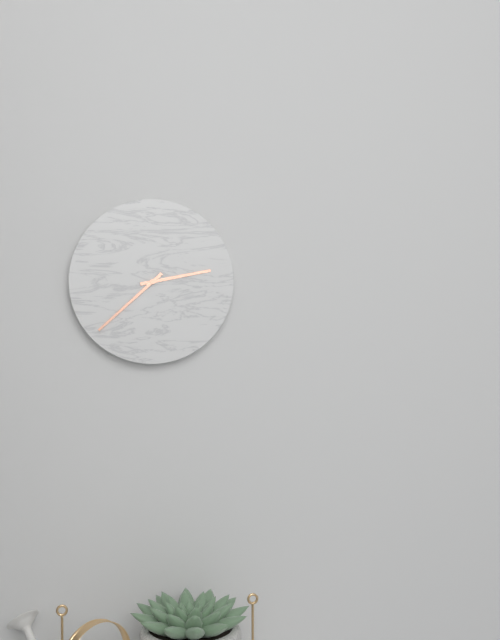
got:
h=2 m=38
